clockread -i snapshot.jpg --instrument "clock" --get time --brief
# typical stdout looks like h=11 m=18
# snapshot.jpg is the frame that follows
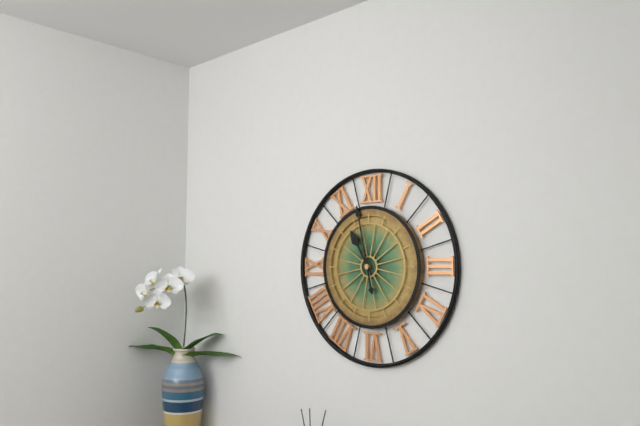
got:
h=10 m=58
